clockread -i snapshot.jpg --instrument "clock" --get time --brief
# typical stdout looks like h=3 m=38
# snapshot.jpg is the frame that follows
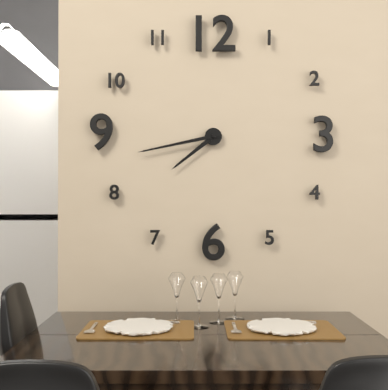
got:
h=7 m=43
